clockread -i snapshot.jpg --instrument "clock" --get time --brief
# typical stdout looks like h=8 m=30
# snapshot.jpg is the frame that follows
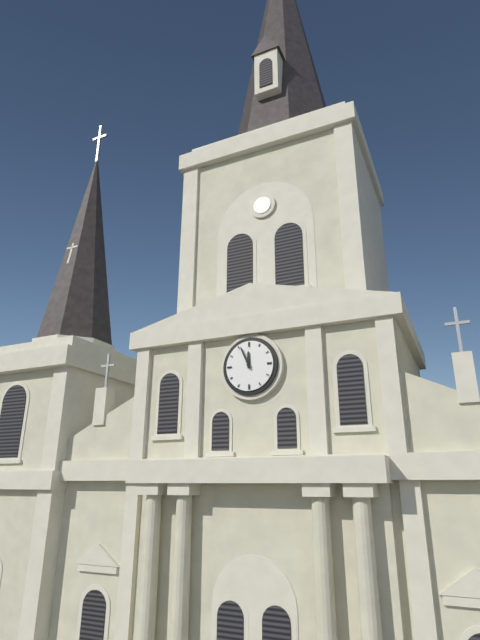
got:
h=11 m=56
